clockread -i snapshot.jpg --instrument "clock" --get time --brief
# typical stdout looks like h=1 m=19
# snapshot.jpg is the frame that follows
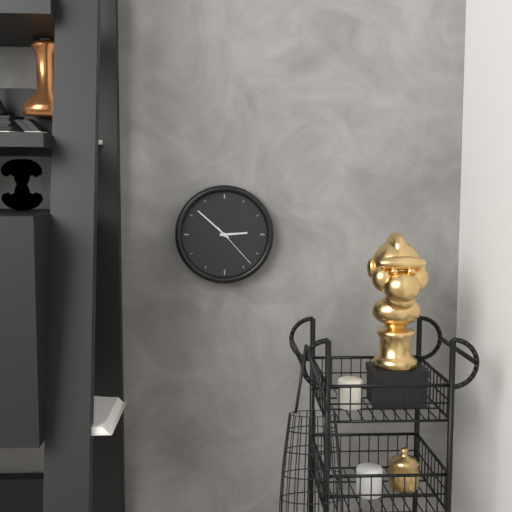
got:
h=2 m=52
